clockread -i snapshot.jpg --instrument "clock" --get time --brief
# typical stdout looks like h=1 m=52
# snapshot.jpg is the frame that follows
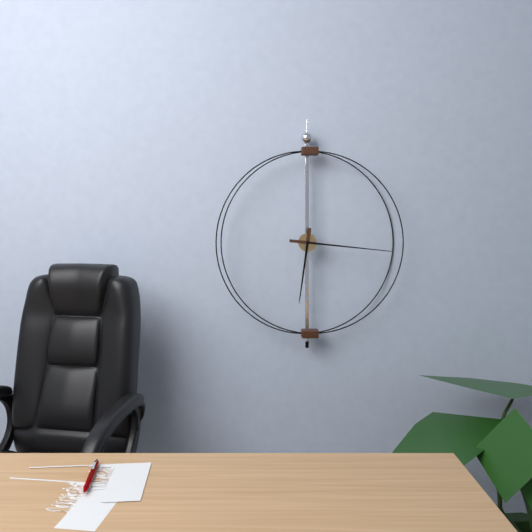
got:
h=6 m=16
